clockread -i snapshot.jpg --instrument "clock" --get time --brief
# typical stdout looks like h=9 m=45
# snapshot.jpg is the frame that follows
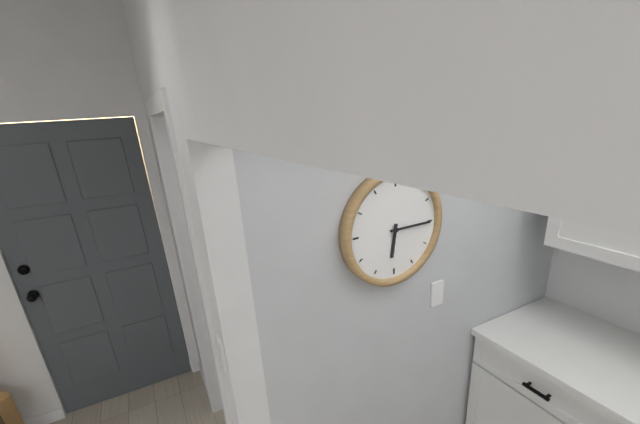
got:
h=6 m=15
